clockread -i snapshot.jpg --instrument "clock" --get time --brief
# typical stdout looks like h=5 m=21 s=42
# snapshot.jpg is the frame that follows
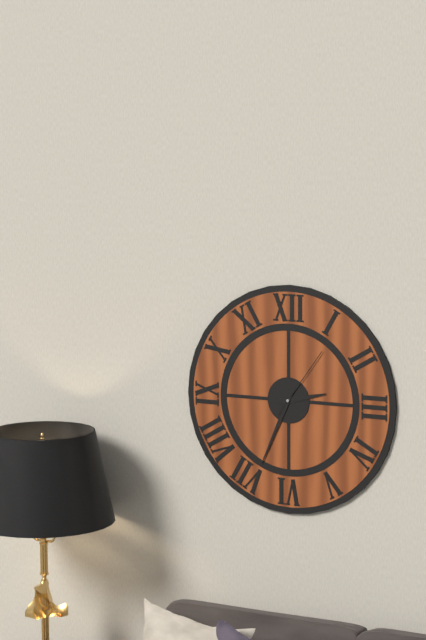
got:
h=2 m=34 s=6
